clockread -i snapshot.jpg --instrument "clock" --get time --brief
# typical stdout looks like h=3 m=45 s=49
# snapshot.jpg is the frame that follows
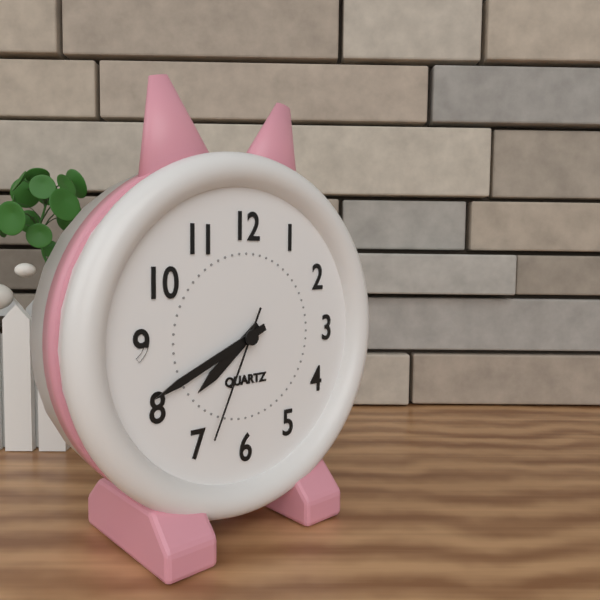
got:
h=7 m=41 s=34
